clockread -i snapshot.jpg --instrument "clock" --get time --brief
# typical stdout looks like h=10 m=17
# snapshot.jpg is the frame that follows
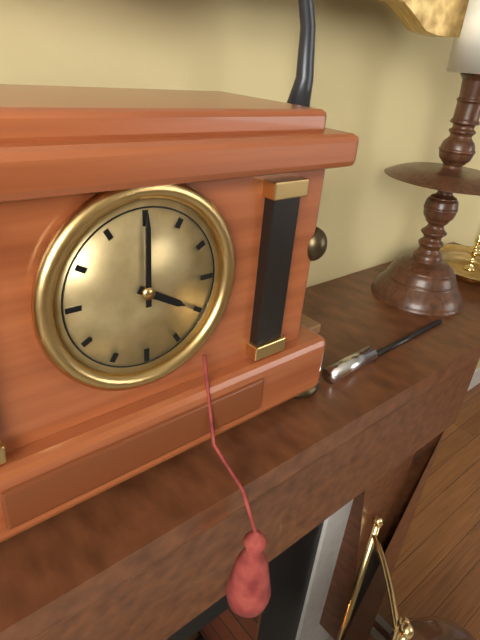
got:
h=4 m=0
